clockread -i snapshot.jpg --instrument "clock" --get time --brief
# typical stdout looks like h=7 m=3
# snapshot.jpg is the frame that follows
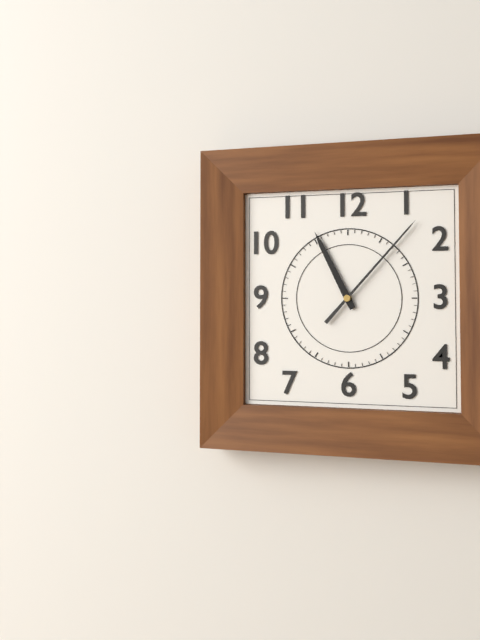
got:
h=11 m=7
